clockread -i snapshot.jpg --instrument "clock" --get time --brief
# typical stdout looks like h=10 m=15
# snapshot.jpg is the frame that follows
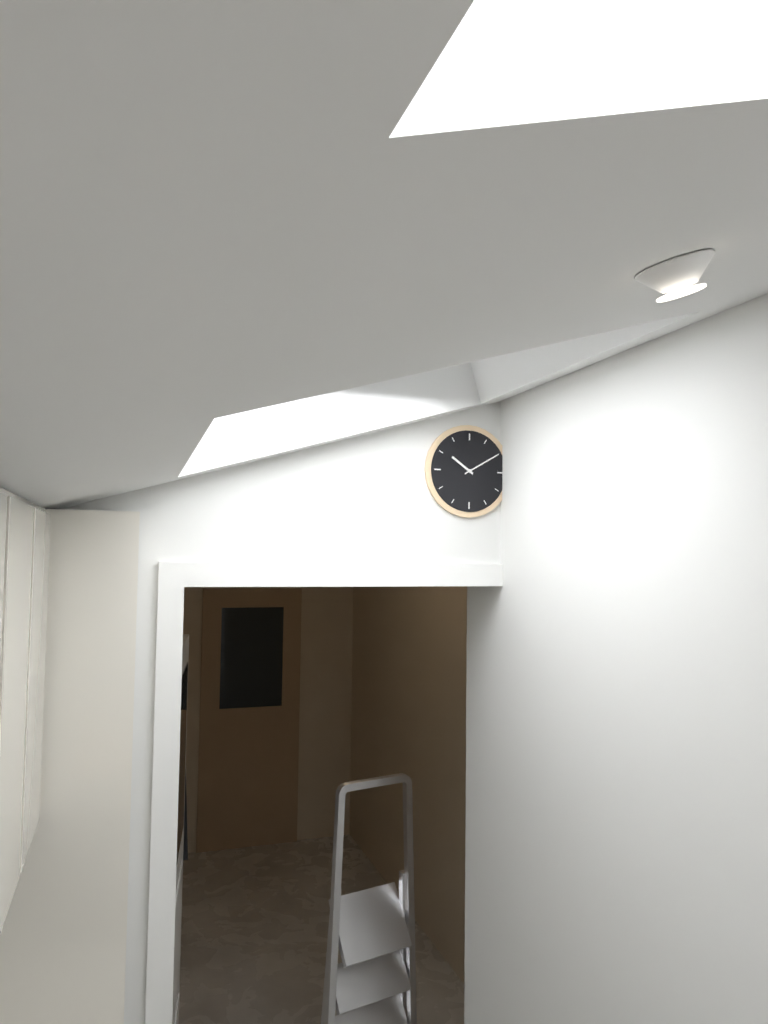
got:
h=10 m=10
